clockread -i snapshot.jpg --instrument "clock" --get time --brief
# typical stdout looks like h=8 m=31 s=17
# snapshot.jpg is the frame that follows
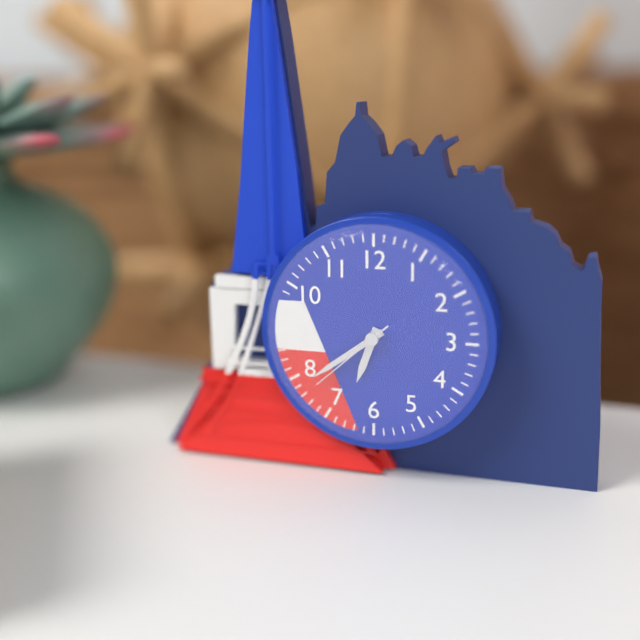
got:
h=6 m=39 s=38
